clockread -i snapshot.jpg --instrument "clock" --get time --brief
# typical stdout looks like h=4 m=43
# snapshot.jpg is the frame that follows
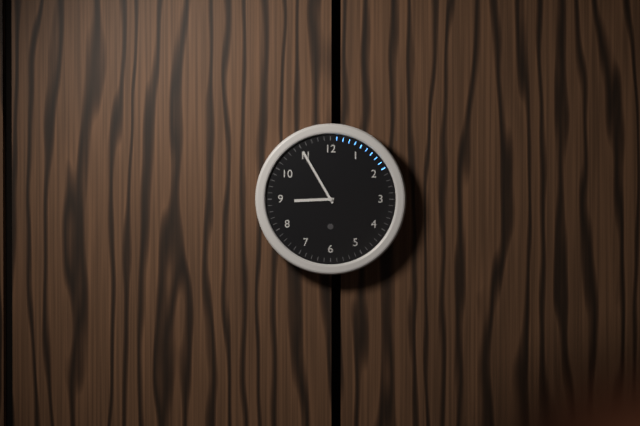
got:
h=8 m=55
